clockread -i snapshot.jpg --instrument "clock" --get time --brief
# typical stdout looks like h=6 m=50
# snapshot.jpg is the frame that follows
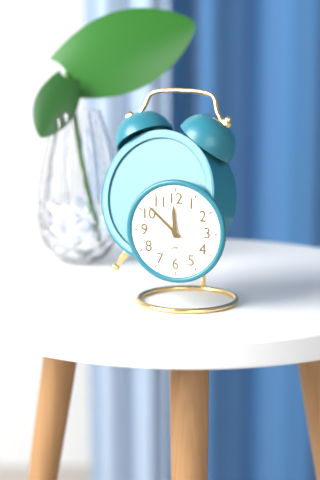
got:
h=11 m=52
